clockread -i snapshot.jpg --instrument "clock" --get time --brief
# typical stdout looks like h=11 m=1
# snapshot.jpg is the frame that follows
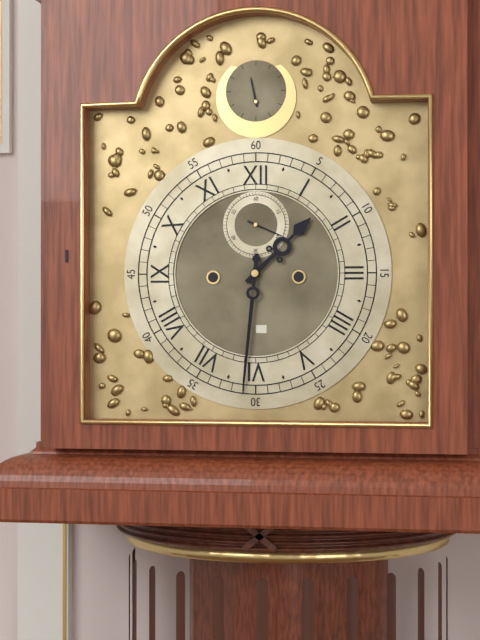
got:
h=1 m=31
